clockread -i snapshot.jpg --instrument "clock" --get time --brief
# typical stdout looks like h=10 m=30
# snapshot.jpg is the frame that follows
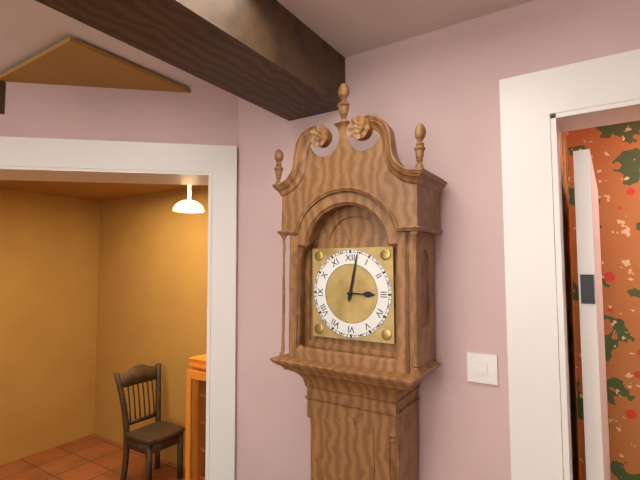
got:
h=3 m=2
